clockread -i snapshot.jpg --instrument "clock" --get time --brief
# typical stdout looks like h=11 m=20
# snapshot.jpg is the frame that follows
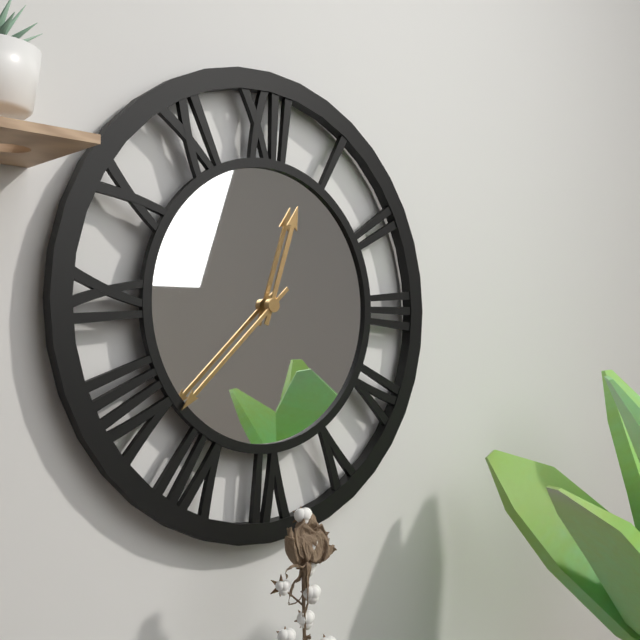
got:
h=12 m=38
